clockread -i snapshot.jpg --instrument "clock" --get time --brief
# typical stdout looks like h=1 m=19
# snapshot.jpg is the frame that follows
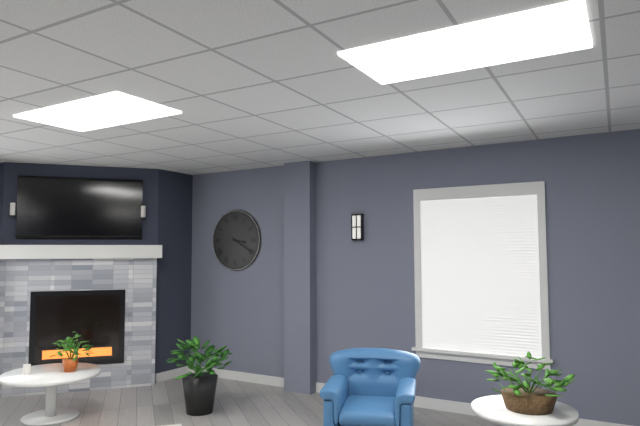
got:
h=3 m=20
